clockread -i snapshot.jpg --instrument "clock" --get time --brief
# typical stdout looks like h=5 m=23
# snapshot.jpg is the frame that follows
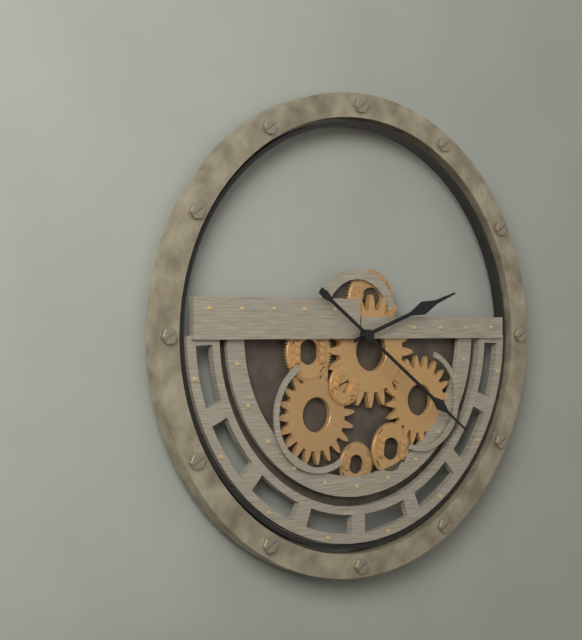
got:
h=2 m=21
